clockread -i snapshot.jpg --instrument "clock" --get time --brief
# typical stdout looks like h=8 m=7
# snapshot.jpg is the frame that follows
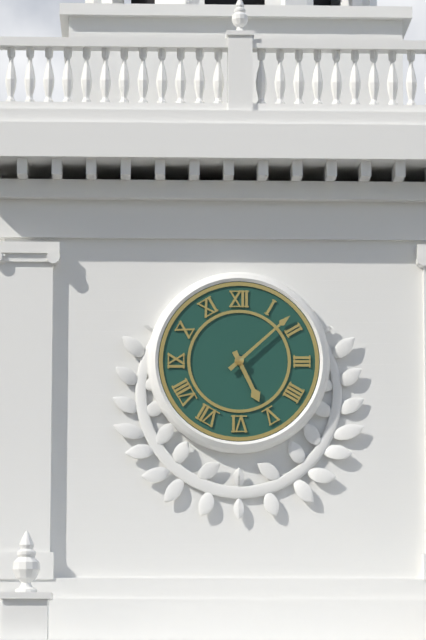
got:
h=5 m=8
